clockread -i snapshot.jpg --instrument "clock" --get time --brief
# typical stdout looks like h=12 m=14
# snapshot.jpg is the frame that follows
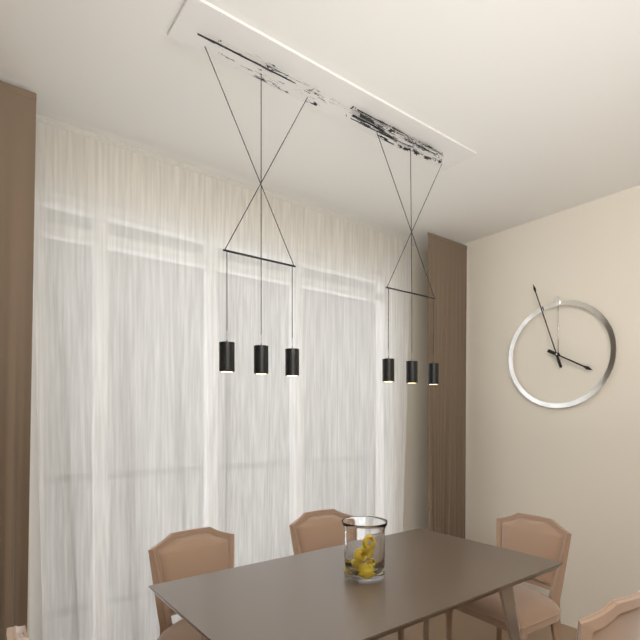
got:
h=3 m=57
